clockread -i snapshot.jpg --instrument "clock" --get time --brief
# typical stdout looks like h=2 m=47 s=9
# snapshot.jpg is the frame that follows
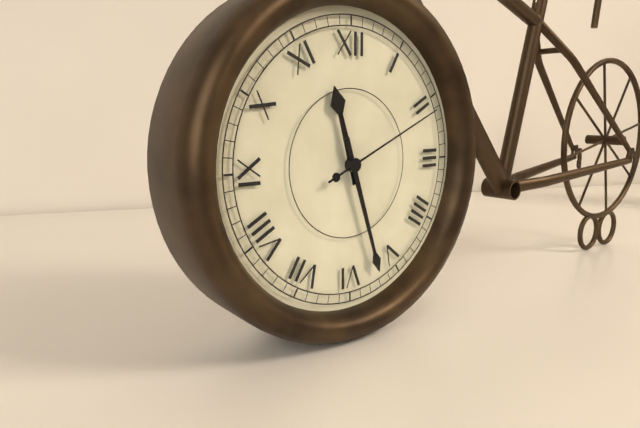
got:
h=11 m=27 s=11
